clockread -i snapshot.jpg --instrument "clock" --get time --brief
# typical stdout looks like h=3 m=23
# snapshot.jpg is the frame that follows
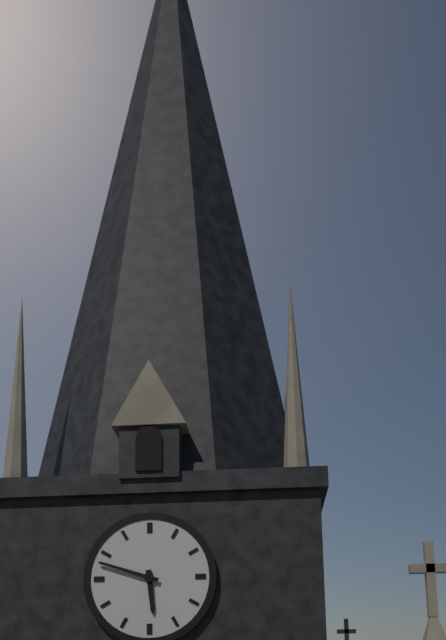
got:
h=5 m=48
